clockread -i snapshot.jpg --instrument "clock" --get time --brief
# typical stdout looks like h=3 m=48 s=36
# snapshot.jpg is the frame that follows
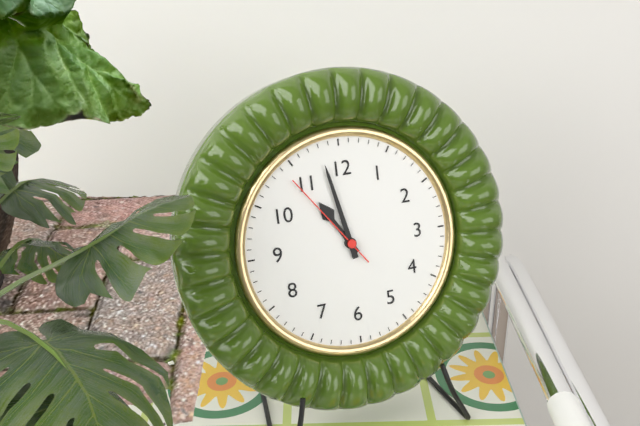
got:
h=10 m=58 s=54
